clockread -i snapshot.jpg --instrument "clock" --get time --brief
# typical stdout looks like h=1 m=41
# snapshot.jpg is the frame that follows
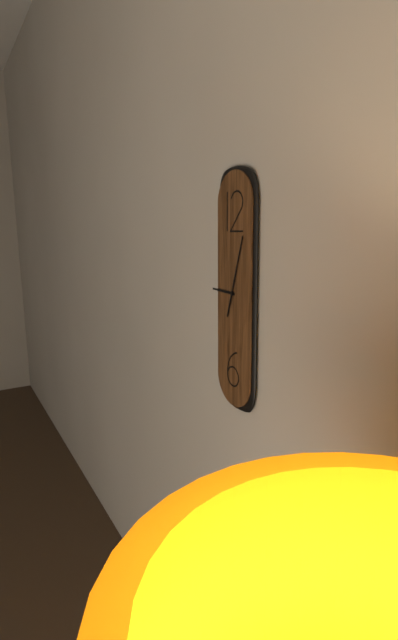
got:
h=9 m=3
